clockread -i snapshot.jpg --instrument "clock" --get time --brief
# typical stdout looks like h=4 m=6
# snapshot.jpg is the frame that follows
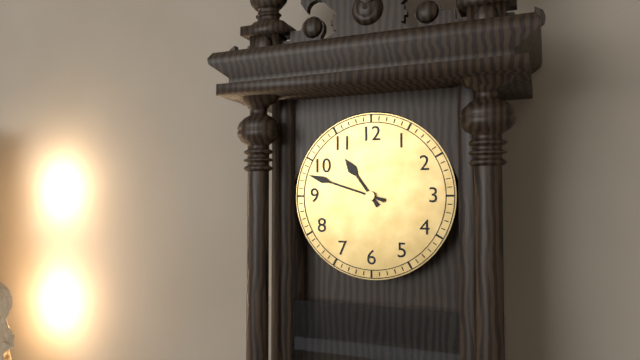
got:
h=10 m=48
